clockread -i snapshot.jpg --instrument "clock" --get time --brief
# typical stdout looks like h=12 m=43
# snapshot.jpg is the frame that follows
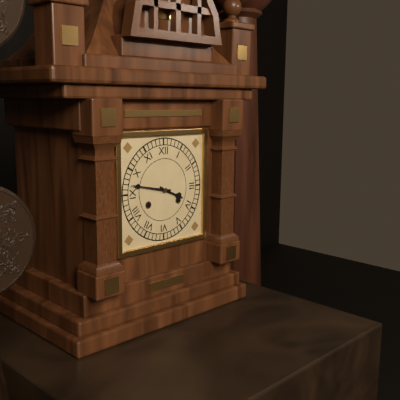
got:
h=3 m=47
